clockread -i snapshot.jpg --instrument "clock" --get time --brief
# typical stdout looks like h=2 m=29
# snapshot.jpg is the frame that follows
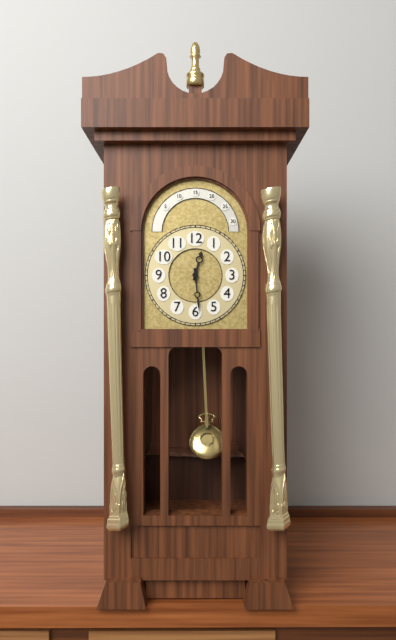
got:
h=12 m=29
